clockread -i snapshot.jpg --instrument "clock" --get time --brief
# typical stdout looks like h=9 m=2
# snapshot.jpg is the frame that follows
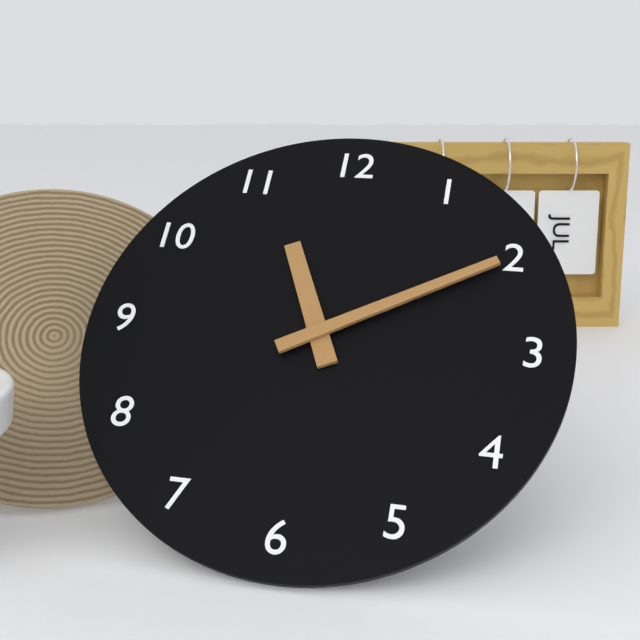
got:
h=11 m=10
